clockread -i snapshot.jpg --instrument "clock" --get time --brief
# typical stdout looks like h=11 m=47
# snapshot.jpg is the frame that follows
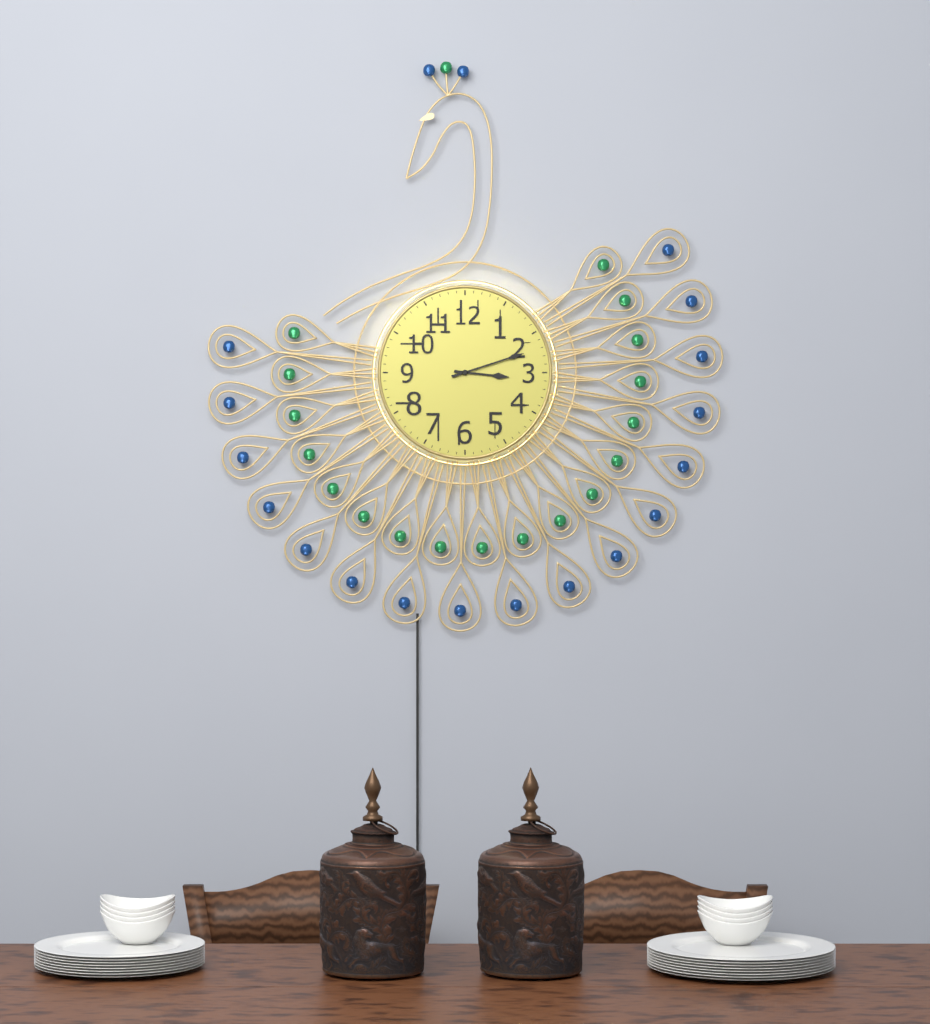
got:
h=3 m=12
